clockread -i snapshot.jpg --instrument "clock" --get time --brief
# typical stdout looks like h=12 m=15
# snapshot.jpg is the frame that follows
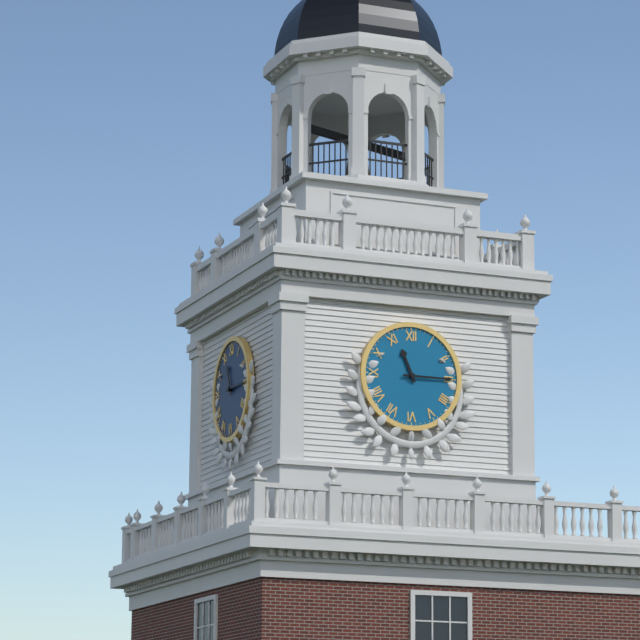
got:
h=11 m=15
